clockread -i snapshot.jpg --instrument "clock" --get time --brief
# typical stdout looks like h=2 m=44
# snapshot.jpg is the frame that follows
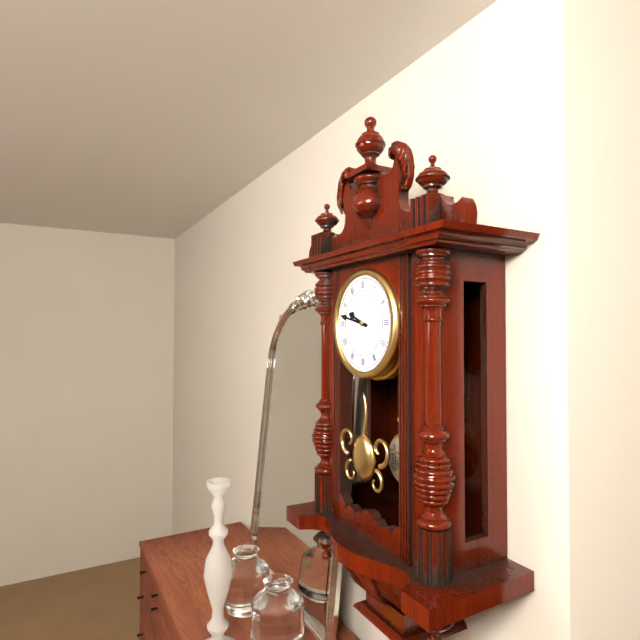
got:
h=9 m=47
